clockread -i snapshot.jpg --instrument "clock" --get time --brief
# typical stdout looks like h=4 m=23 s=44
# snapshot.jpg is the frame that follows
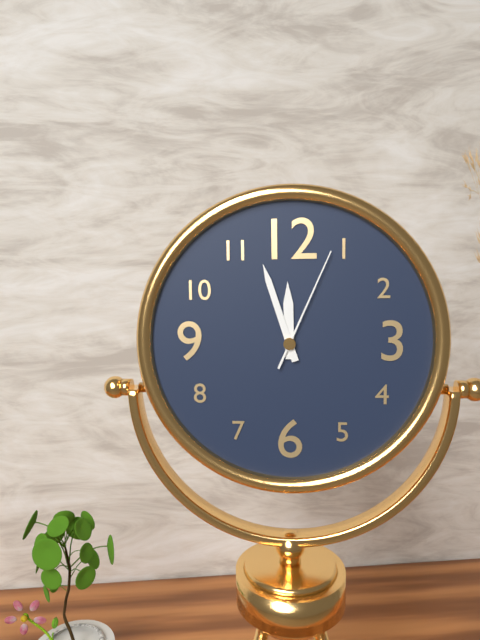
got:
h=11 m=57 s=4
